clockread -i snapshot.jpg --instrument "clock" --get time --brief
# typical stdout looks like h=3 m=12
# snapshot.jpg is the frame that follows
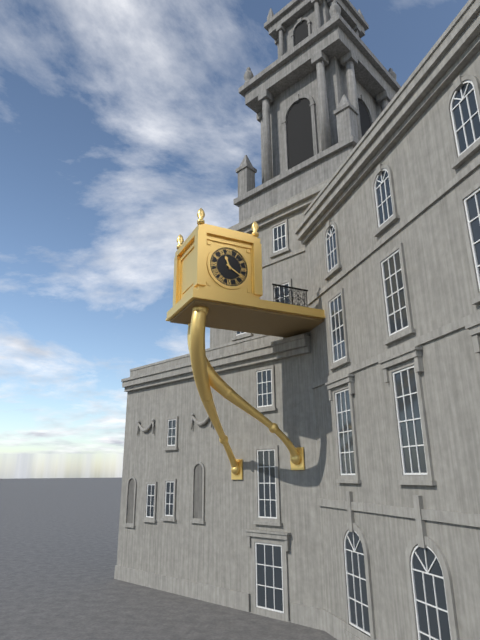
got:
h=11 m=20
